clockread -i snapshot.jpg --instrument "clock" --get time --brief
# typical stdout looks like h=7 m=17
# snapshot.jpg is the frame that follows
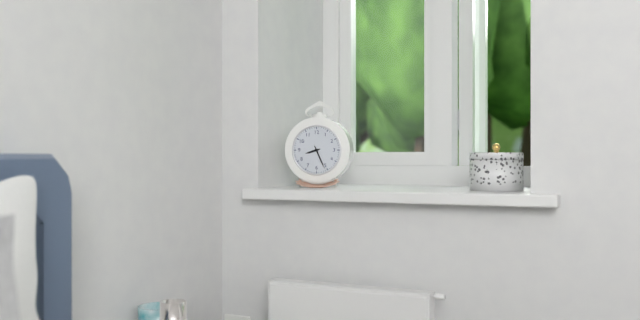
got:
h=8 m=26
